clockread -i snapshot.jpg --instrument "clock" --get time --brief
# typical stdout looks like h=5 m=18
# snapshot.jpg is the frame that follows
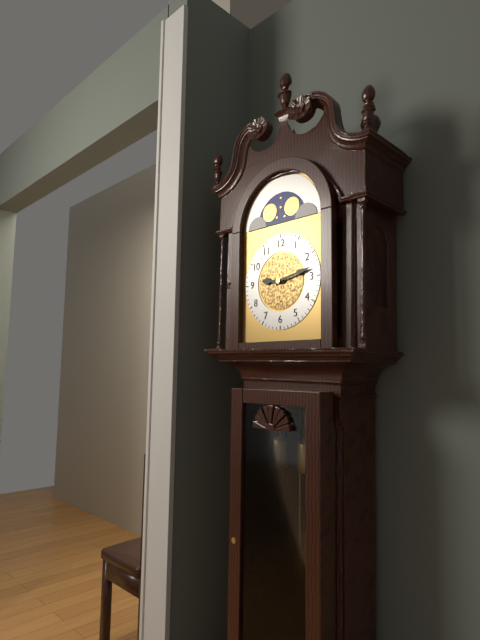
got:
h=9 m=13
